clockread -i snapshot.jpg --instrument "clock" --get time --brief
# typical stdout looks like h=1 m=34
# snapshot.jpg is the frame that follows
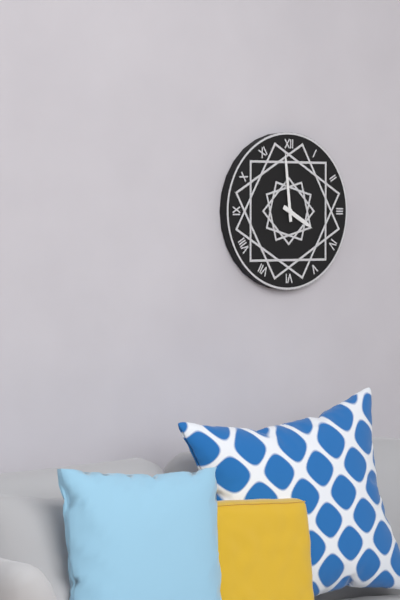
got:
h=3 m=59
